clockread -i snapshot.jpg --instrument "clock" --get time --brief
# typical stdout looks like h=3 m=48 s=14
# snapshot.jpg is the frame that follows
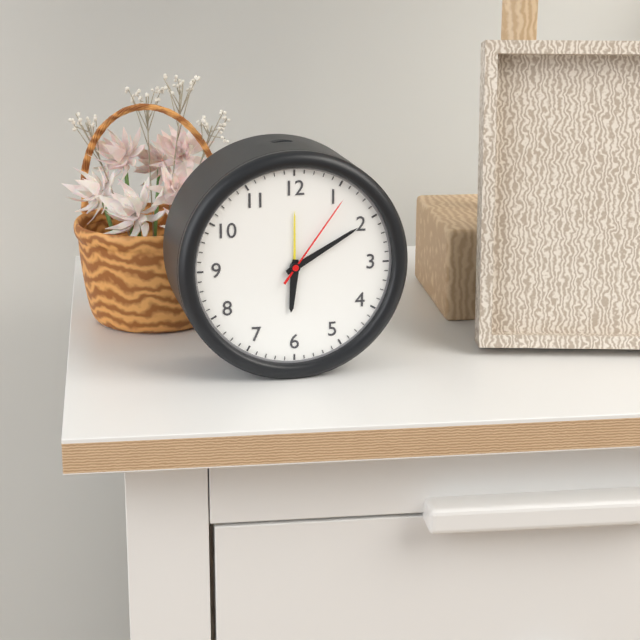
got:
h=6 m=10 s=6
